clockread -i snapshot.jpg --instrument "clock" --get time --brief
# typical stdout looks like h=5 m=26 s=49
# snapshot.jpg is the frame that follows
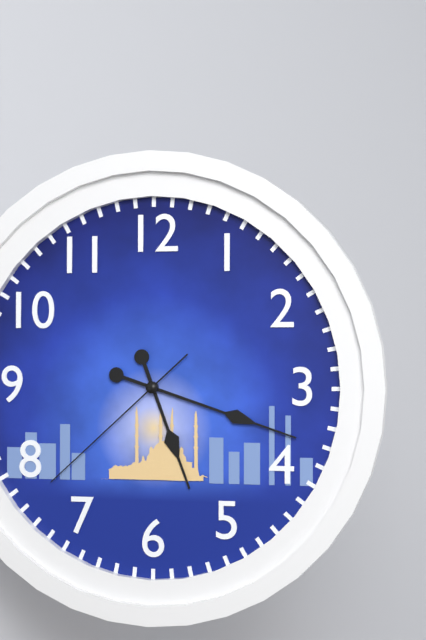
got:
h=5 m=18 s=38
